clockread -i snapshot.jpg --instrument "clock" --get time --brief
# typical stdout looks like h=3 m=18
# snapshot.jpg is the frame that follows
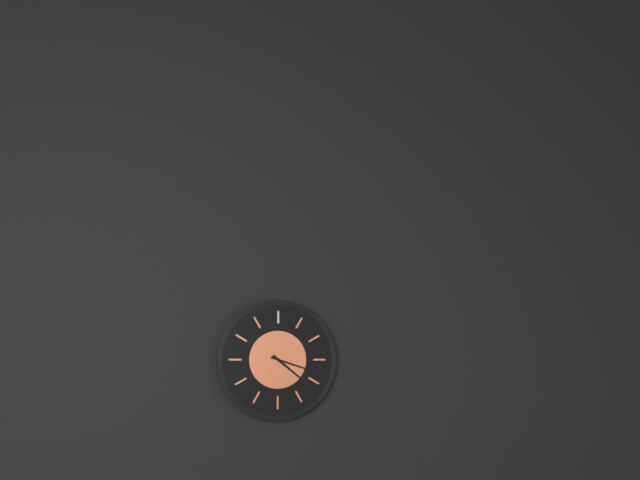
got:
h=4 m=18
